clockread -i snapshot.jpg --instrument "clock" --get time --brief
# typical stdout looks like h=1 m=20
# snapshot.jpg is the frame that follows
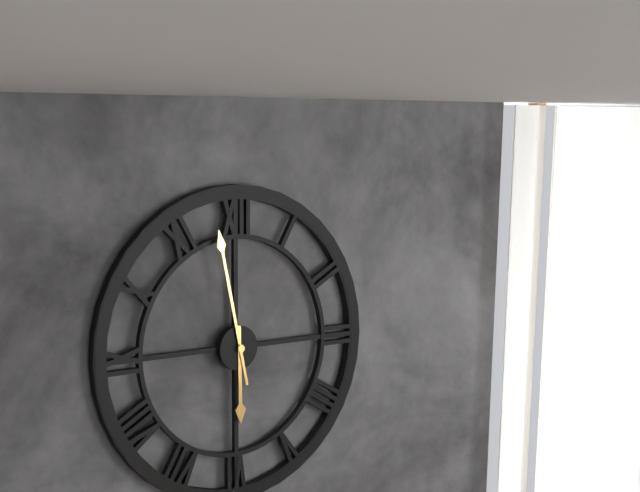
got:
h=5 m=58
